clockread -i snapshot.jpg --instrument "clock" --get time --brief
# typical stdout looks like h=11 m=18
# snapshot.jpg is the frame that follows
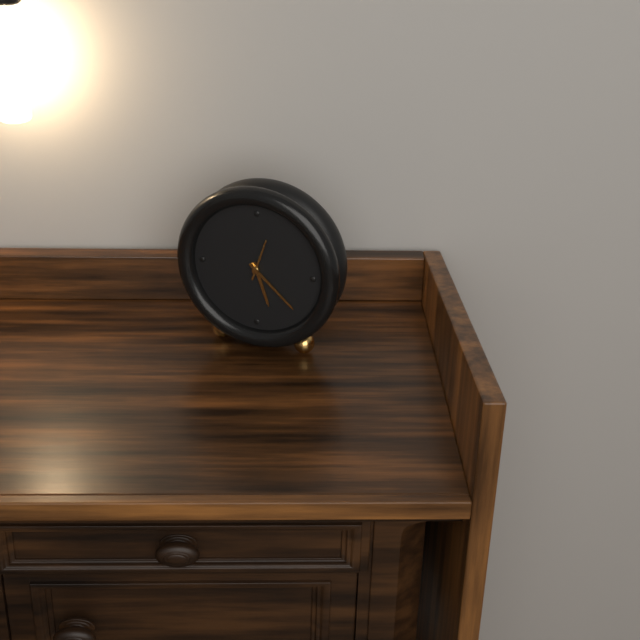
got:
h=5 m=22
